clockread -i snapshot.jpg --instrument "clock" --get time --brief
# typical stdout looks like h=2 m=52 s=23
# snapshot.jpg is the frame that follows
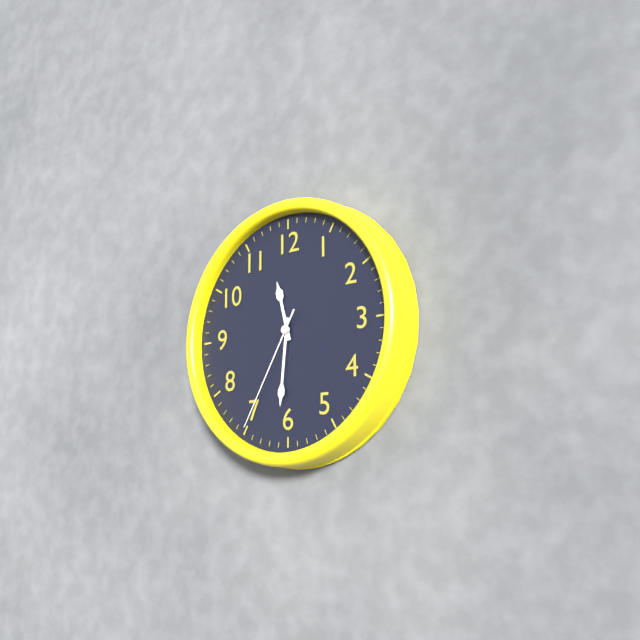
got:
h=11 m=31 s=35
